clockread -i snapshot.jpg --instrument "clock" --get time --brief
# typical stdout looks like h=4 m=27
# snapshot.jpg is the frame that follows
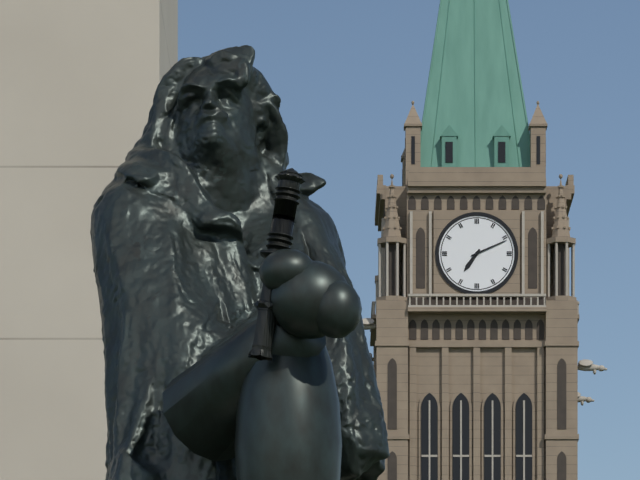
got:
h=7 m=11
